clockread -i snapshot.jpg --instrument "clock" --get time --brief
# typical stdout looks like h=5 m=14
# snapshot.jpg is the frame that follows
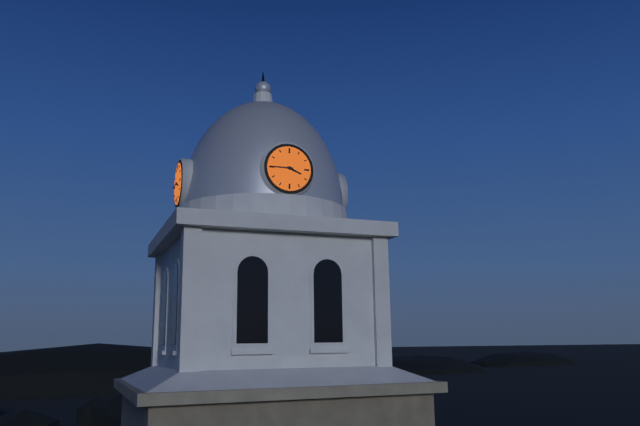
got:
h=3 m=45
